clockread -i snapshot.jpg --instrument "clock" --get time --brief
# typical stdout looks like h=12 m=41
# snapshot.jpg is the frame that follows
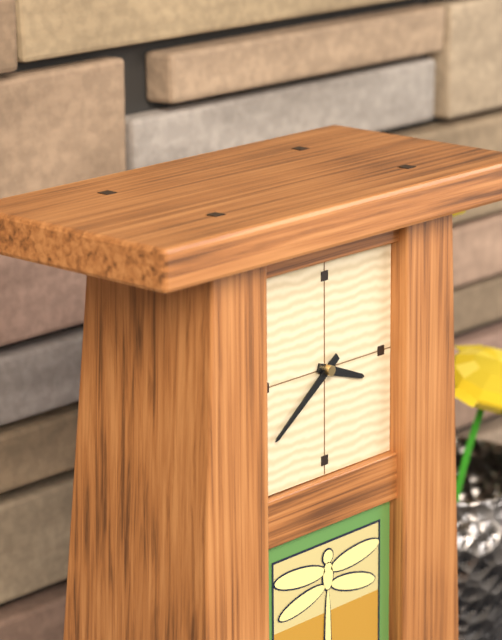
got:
h=3 m=39
